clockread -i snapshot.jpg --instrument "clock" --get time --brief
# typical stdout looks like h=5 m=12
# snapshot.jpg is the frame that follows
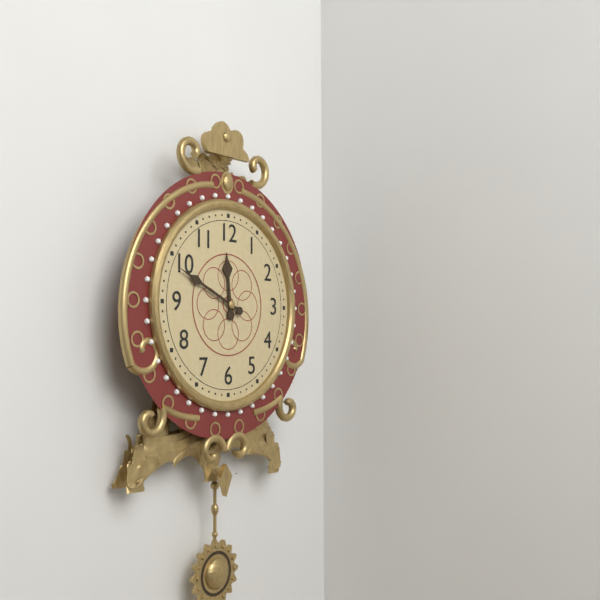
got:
h=11 m=49
